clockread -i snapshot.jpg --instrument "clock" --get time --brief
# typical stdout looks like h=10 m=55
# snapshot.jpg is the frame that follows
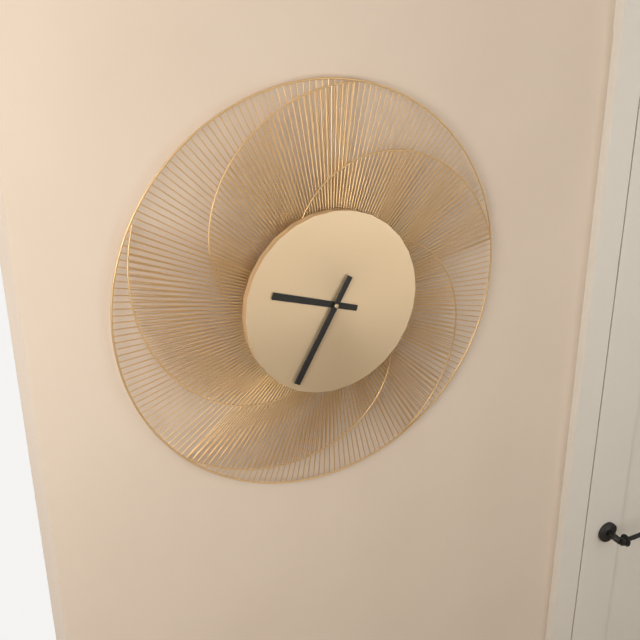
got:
h=9 m=35
